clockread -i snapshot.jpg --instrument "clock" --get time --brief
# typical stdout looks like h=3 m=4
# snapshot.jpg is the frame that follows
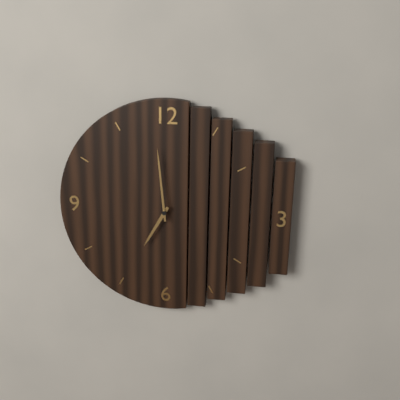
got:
h=6 m=59
